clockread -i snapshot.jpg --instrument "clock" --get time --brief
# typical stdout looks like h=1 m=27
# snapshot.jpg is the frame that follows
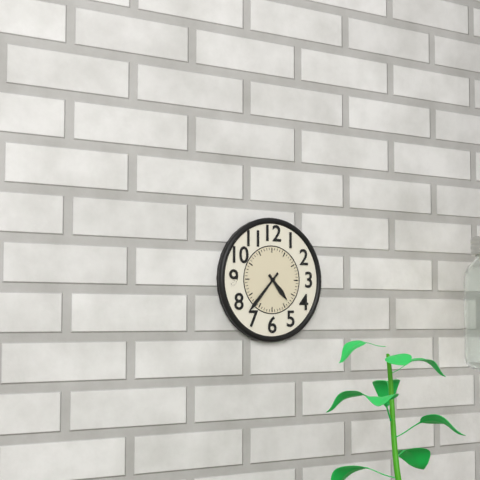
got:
h=4 m=37
